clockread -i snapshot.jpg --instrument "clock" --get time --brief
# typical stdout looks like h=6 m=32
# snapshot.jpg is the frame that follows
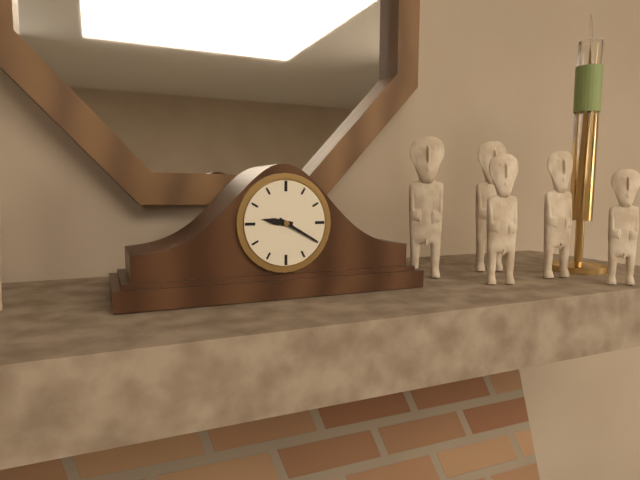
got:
h=9 m=20
